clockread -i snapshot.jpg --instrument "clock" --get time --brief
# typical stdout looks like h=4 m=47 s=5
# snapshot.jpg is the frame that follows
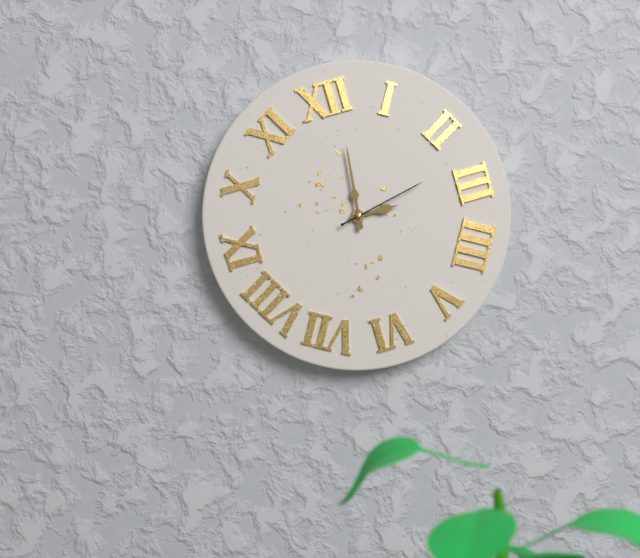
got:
h=3 m=1 s=13
